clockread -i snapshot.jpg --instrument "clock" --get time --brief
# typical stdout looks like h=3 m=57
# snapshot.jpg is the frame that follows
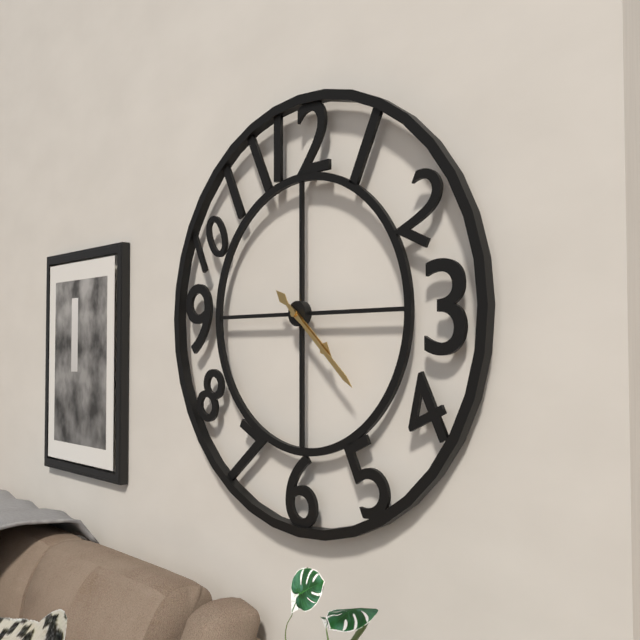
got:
h=4 m=22
